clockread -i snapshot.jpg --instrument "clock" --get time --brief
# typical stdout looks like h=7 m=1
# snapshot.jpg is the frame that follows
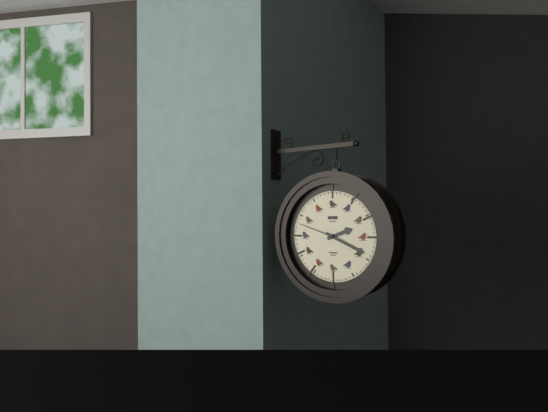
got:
h=2 m=19
